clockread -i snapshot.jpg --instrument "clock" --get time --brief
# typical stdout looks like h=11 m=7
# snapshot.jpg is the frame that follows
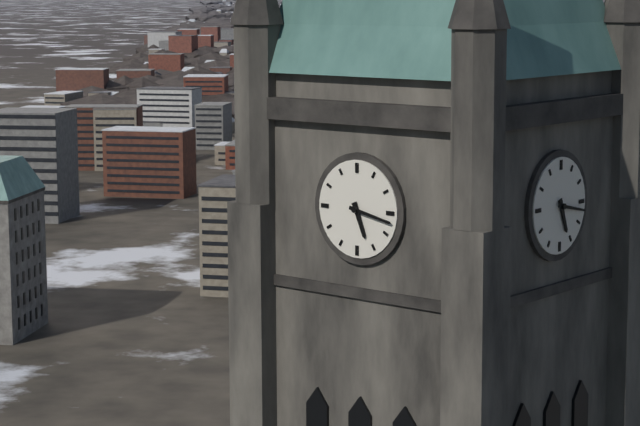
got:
h=5 m=17
